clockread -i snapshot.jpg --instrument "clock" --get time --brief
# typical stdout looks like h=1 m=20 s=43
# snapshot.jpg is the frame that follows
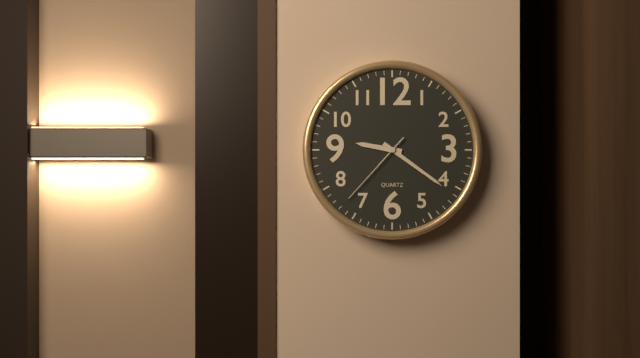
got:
h=9 m=21 s=37
